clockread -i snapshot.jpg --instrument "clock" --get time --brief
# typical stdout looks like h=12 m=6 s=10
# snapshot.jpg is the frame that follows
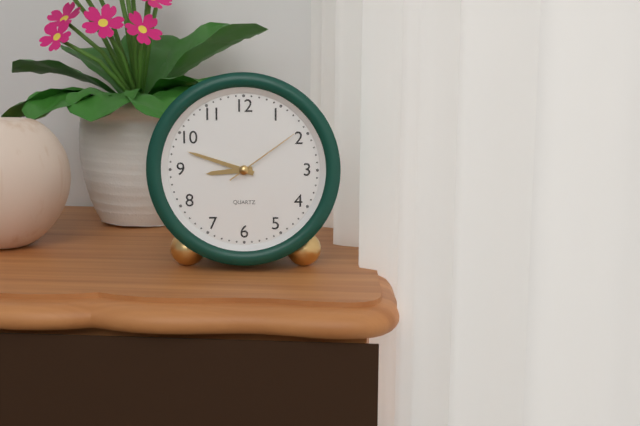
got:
h=8 m=48 s=9
